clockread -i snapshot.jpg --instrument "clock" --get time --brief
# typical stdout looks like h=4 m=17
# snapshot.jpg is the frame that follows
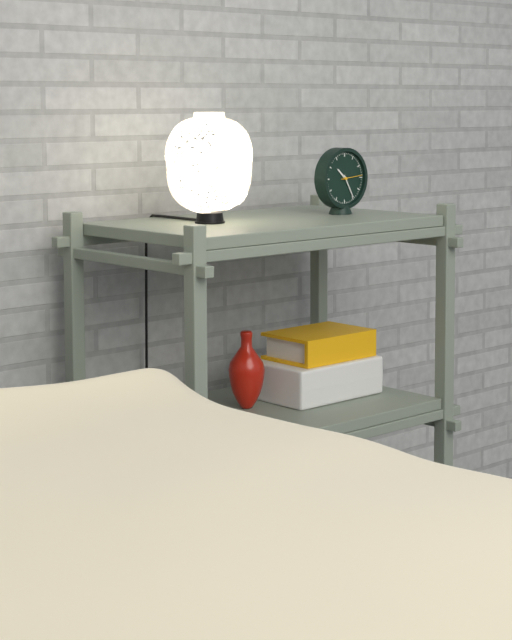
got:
h=10 m=25
